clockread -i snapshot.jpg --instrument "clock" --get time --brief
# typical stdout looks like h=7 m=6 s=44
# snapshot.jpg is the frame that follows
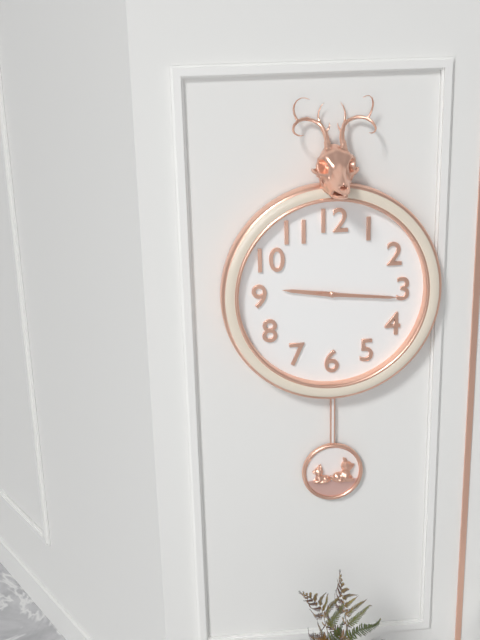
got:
h=9 m=16 s=16
